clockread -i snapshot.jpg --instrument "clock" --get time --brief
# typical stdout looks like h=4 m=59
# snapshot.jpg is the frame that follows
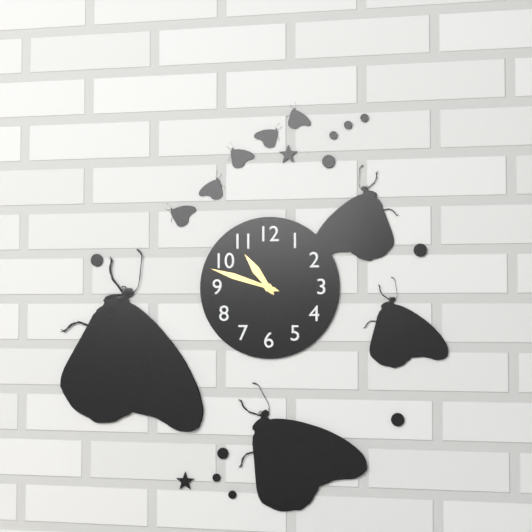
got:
h=10 m=48
